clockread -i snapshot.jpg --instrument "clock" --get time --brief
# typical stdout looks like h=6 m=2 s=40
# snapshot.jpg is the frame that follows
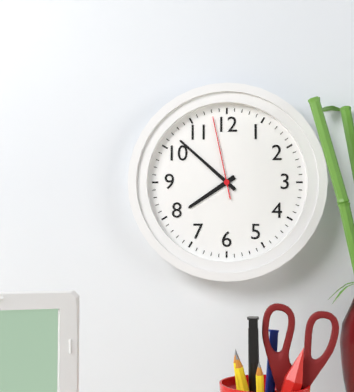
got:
h=7 m=52 s=58
